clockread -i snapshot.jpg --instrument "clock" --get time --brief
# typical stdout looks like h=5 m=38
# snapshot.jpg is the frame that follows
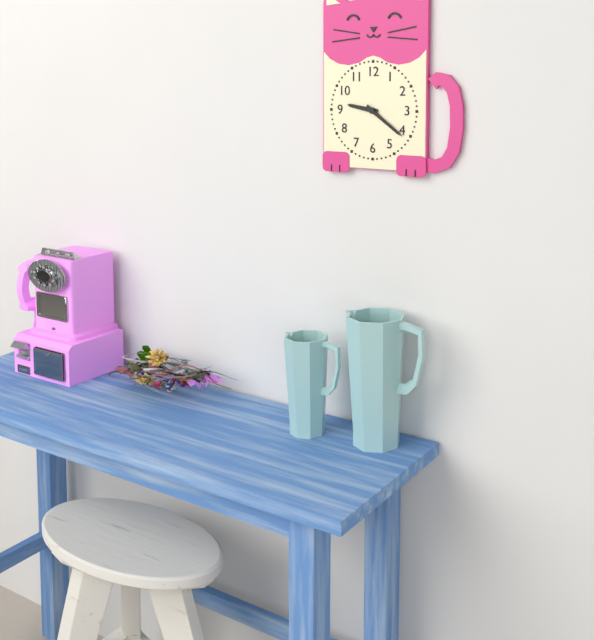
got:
h=9 m=21
